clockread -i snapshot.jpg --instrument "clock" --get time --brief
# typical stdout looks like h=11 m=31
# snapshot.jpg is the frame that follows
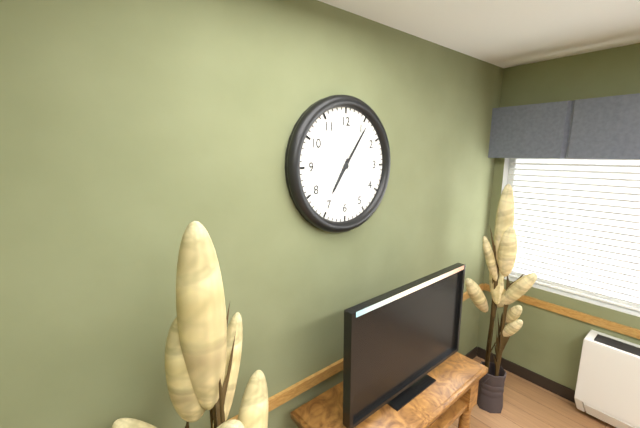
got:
h=7 m=6
